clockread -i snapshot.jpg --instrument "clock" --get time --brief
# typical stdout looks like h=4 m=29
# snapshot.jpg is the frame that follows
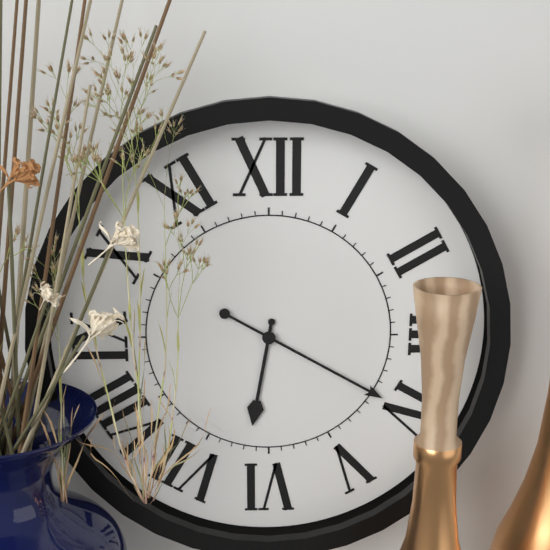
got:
h=6 m=20
